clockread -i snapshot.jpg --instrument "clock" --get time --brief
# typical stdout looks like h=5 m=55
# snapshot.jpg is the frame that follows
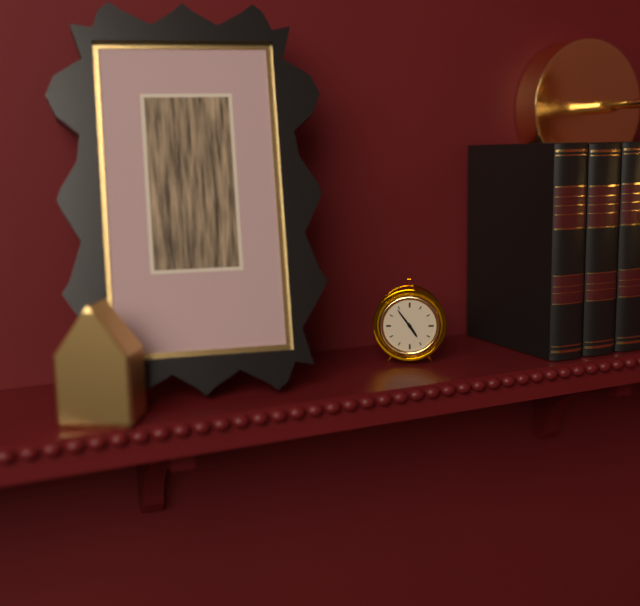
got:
h=4 m=54
